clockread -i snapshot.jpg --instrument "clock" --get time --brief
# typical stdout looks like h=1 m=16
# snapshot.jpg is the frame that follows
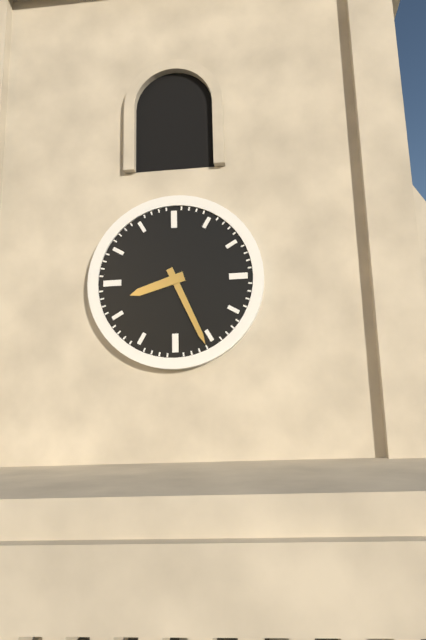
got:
h=8 m=26
